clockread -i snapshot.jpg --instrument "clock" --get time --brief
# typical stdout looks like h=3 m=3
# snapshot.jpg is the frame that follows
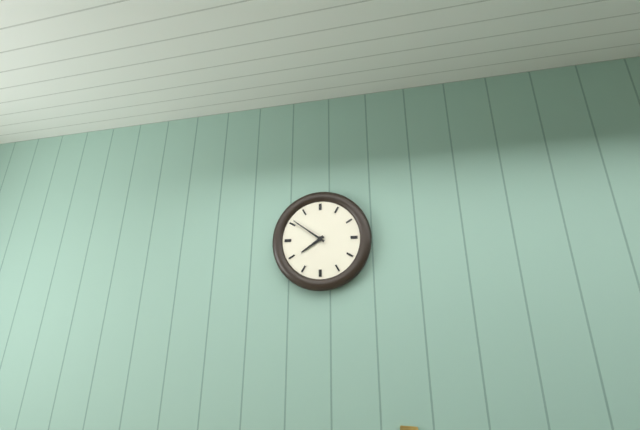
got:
h=7 m=51
